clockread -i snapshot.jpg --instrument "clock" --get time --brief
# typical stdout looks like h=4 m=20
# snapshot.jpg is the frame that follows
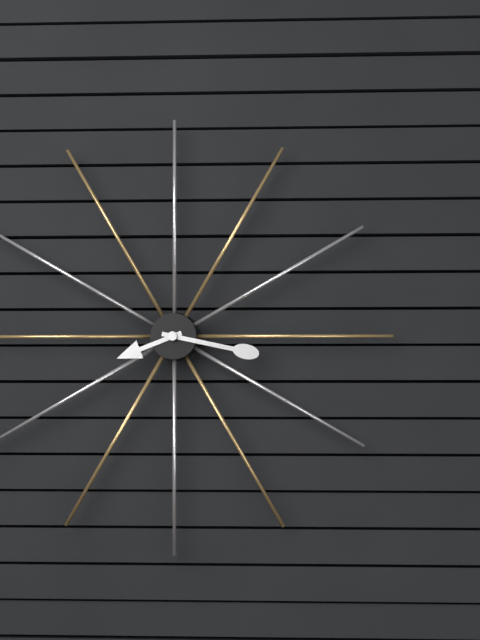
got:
h=8 m=17
